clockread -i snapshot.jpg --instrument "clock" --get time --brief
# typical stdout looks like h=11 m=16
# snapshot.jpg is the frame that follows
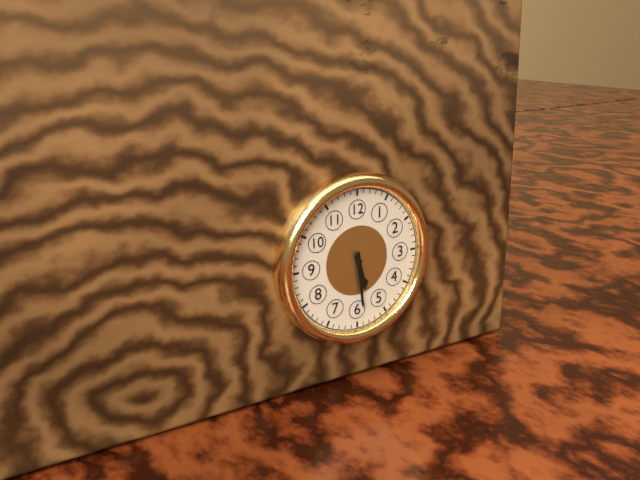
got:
h=5 m=29
